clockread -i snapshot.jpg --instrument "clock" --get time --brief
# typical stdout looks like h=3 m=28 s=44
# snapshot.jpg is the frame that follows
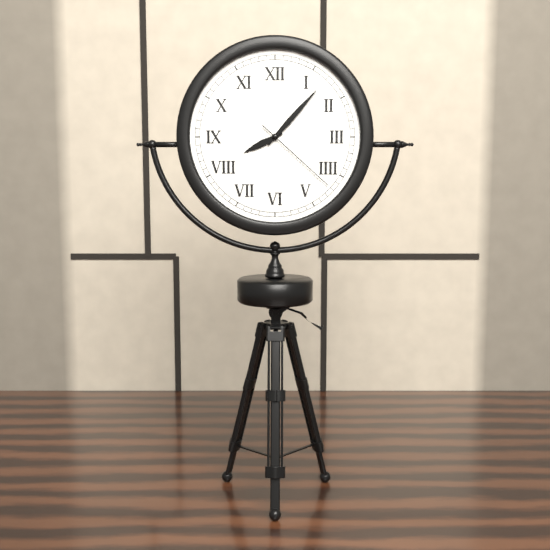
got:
h=8 m=7 s=22
